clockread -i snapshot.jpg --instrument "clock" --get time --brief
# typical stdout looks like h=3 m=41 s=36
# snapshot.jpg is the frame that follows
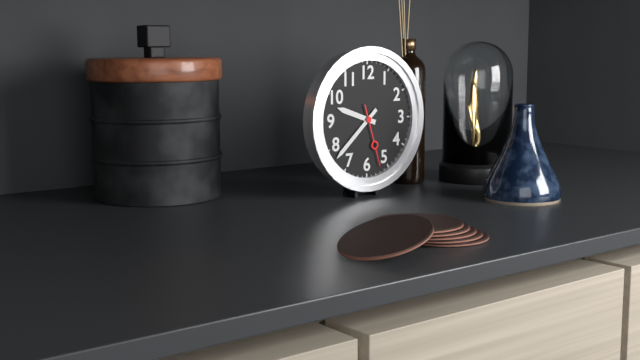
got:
h=9 m=38 s=27
